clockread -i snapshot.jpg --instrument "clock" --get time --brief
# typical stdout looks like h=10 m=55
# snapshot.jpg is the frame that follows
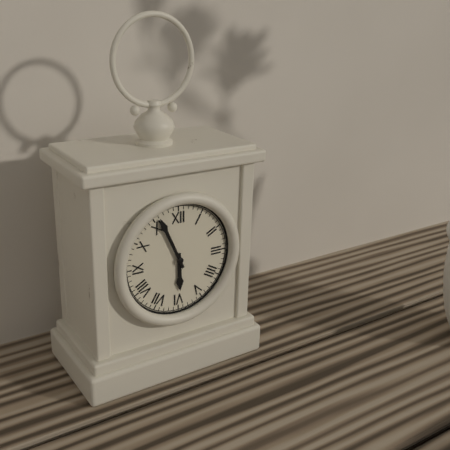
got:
h=5 m=56
